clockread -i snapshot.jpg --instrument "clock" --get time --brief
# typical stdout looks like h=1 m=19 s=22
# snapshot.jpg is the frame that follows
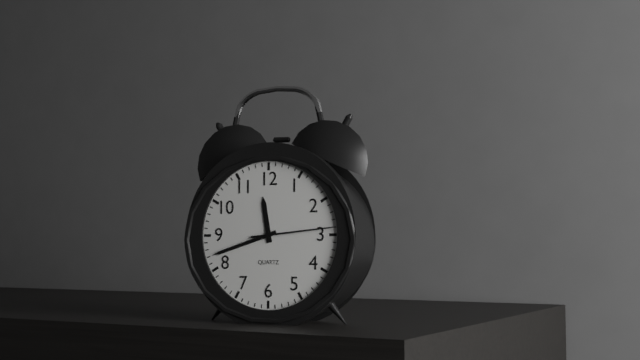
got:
h=11 m=42 s=14
